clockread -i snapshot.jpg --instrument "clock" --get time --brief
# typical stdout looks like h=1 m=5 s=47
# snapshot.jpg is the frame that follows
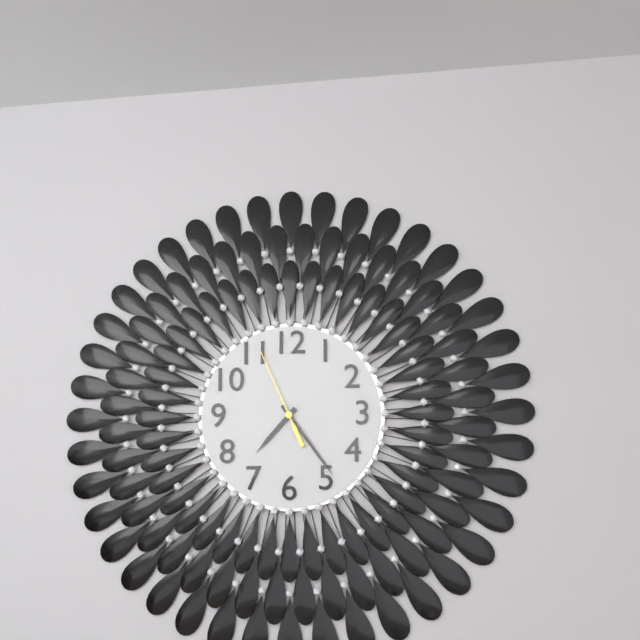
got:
h=7 m=24 s=56
